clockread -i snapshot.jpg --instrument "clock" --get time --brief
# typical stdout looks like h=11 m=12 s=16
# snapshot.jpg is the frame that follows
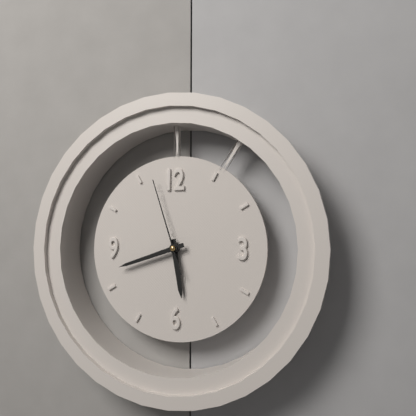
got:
h=5 m=42 s=57
